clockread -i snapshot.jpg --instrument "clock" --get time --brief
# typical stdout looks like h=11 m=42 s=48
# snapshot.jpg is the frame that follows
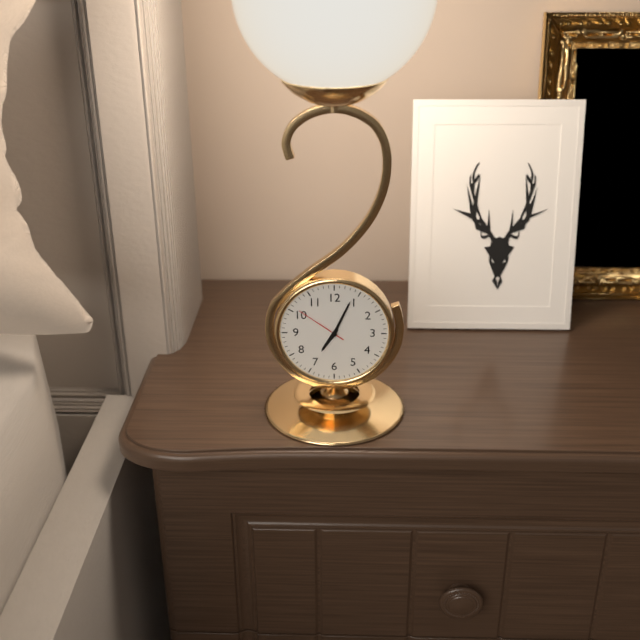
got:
h=7 m=4 s=51
